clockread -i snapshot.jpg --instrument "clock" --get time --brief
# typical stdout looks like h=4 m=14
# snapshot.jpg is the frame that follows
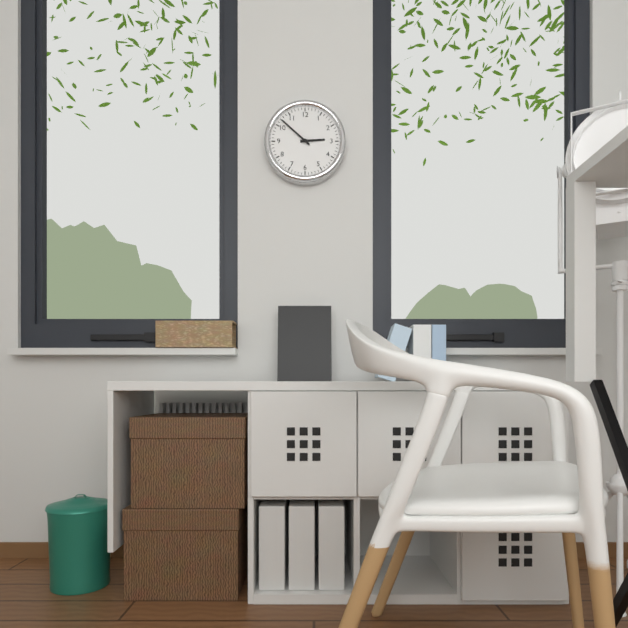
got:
h=2 m=52
